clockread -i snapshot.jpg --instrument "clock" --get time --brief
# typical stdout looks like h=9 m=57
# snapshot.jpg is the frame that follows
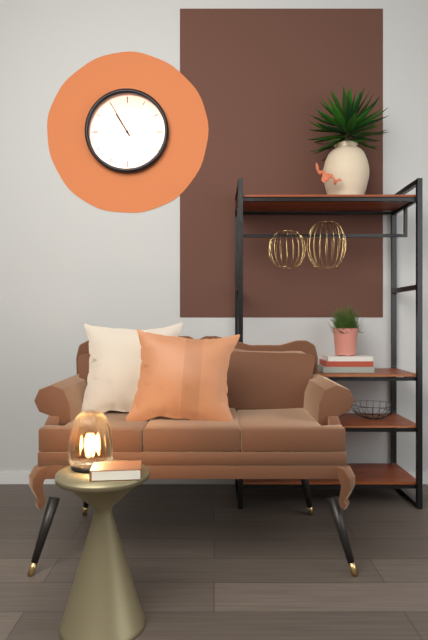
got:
h=10 m=55
